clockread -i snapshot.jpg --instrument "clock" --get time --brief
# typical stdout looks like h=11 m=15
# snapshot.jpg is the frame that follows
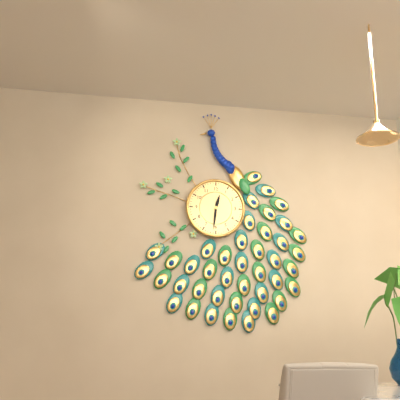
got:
h=12 m=31
